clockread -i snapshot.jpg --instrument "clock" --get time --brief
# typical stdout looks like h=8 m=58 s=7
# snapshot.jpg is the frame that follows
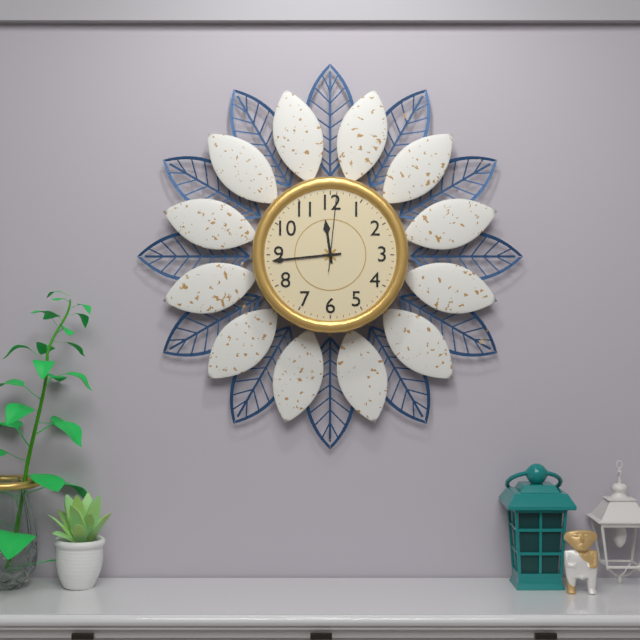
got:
h=11 m=44 s=1
